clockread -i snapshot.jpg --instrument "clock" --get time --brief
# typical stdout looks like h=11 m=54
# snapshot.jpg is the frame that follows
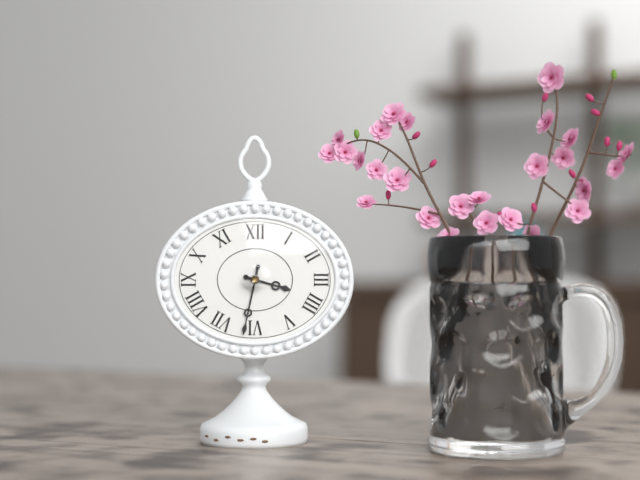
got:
h=3 m=32
